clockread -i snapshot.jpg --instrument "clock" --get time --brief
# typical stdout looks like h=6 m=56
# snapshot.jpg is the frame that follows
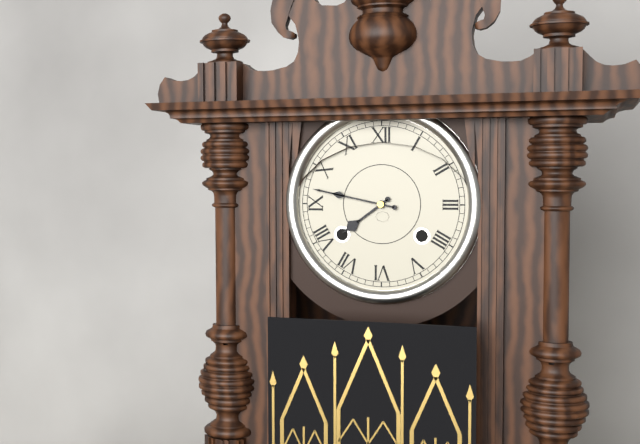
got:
h=7 m=47
